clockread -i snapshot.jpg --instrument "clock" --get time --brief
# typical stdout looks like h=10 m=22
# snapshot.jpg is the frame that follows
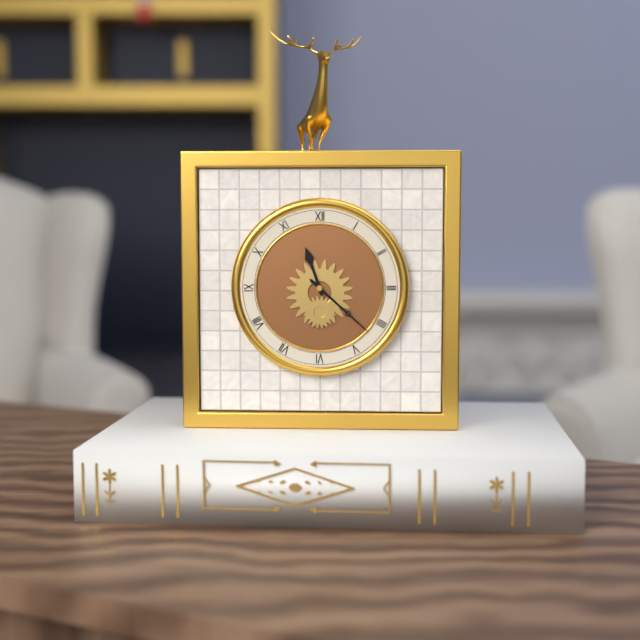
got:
h=11 m=22
